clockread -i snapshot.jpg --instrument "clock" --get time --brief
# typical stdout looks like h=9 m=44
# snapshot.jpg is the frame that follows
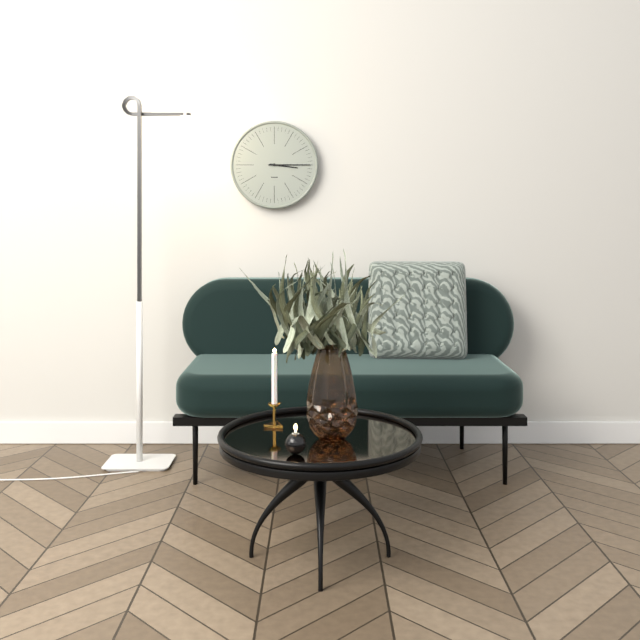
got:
h=3 m=15
